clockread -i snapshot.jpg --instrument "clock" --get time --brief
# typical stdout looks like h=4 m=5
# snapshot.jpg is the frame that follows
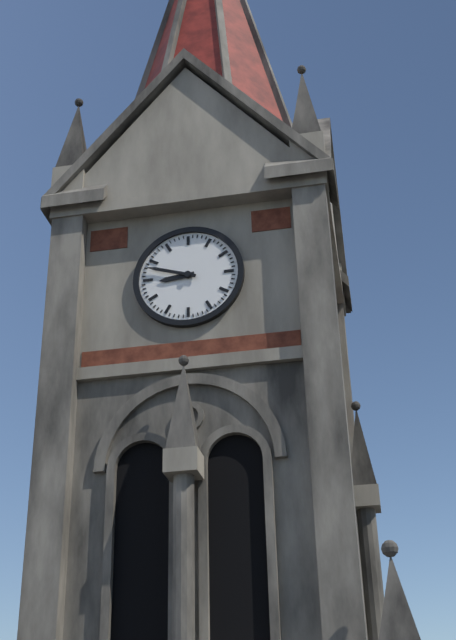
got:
h=8 m=48
